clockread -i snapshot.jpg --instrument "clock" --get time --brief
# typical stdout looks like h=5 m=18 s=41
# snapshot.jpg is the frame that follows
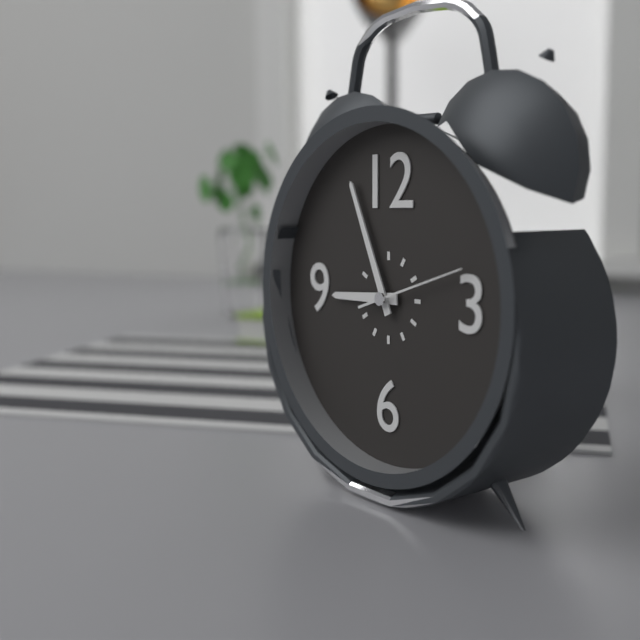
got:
h=8 m=56 s=12
